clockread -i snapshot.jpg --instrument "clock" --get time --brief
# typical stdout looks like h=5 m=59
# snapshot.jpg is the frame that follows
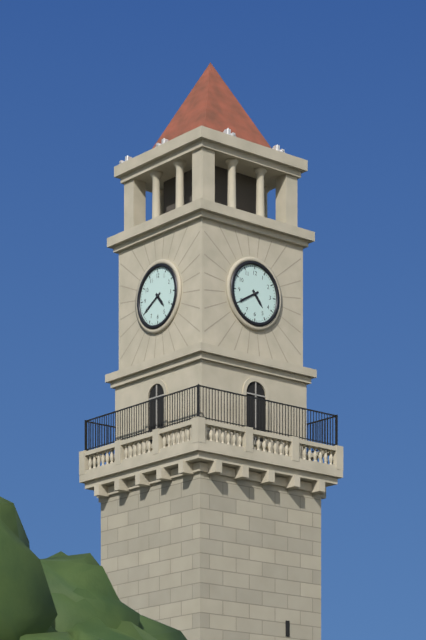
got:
h=4 m=40
